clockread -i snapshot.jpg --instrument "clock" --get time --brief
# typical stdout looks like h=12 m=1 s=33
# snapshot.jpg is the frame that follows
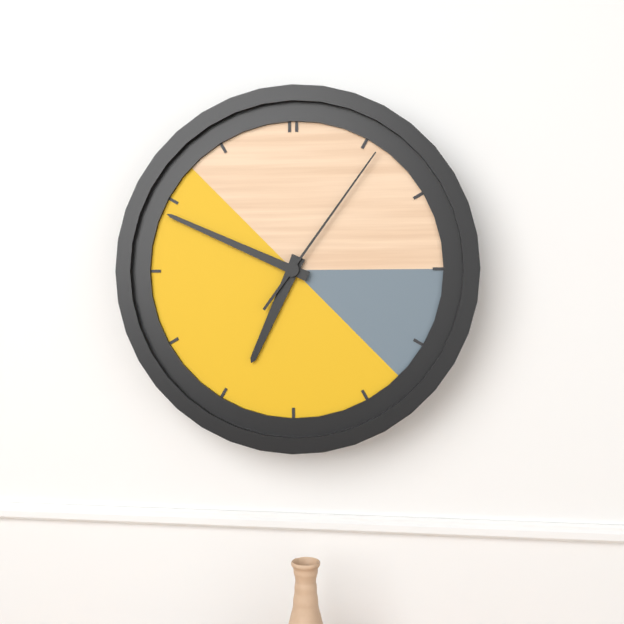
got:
h=6 m=49 s=6
